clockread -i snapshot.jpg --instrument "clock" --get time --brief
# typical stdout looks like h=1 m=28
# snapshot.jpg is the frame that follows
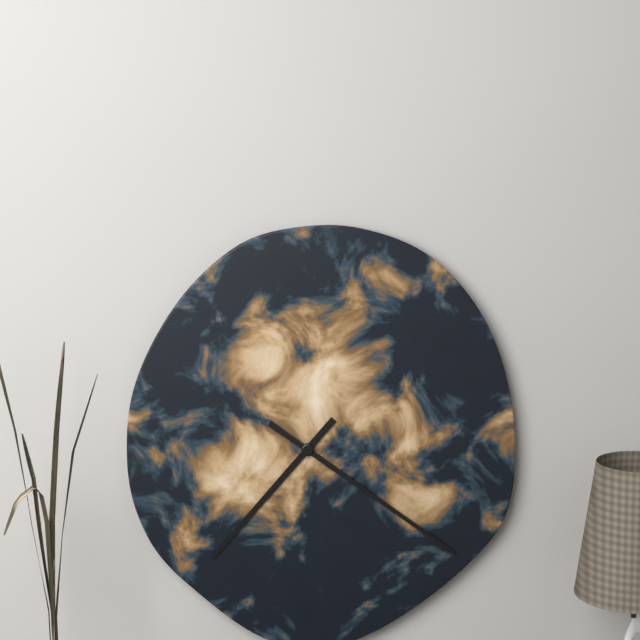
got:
h=7 m=21
